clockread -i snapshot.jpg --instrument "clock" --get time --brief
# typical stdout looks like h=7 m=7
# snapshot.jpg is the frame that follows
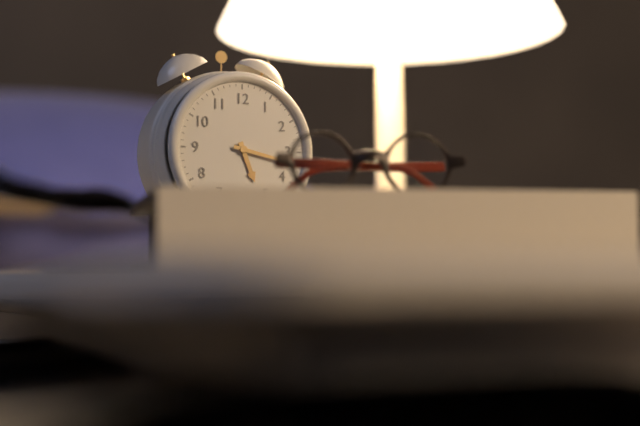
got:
h=5 m=17
